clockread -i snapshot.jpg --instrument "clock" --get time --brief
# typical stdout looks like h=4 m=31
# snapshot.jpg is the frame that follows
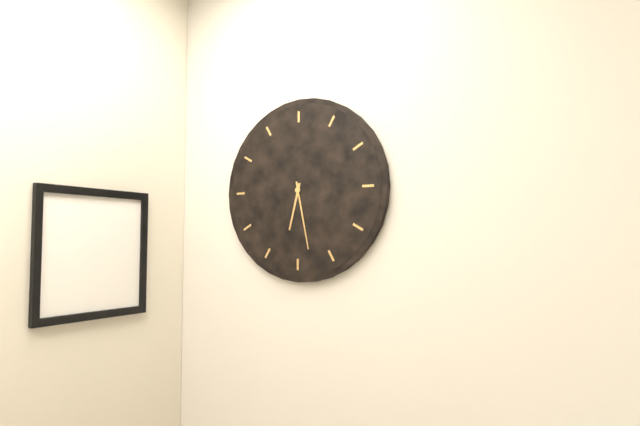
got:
h=6 m=28
